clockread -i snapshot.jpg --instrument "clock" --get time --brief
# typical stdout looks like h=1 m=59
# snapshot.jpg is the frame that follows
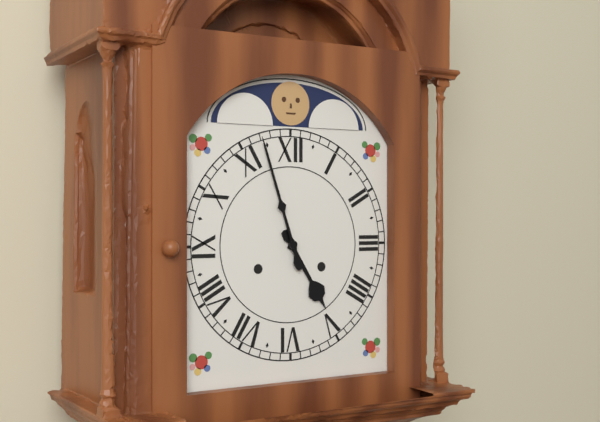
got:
h=4 m=57
